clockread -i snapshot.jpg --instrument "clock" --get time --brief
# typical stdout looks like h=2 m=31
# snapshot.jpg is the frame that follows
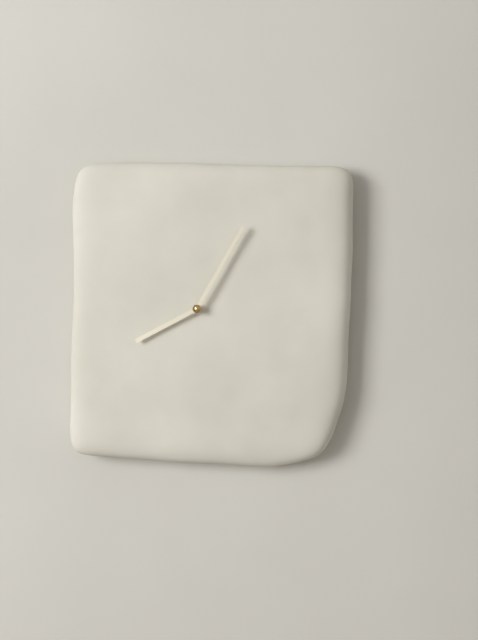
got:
h=8 m=5
